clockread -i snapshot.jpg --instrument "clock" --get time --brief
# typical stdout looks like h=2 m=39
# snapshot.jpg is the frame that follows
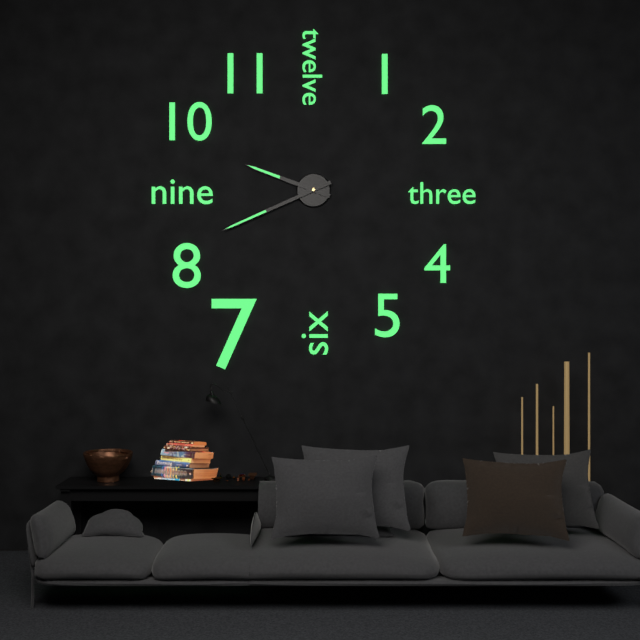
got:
h=9 m=41
